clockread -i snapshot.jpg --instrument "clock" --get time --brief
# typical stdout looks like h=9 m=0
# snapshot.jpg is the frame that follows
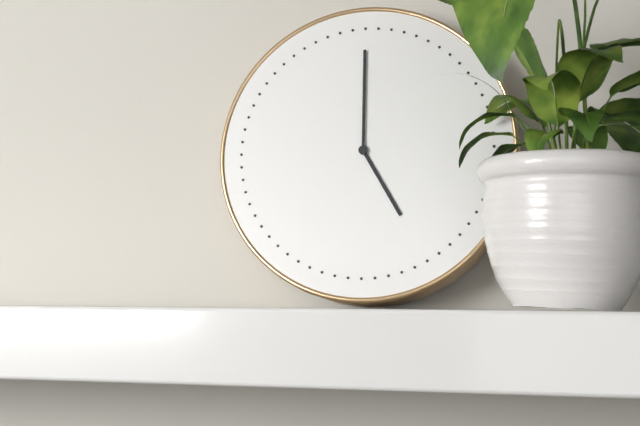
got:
h=5 m=0
